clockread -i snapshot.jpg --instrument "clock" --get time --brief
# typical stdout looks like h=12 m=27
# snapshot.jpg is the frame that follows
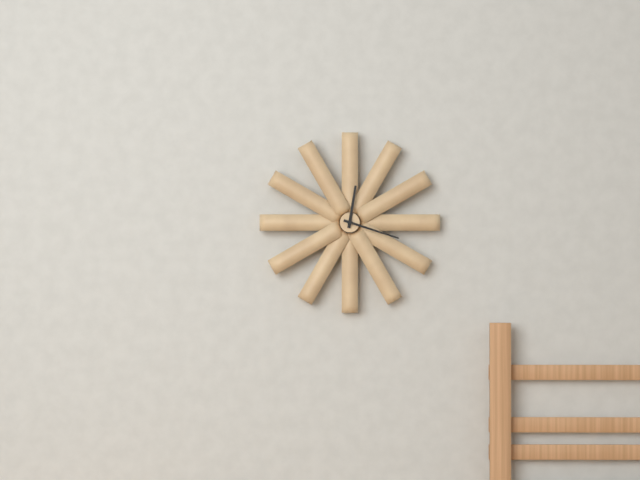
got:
h=12 m=18
